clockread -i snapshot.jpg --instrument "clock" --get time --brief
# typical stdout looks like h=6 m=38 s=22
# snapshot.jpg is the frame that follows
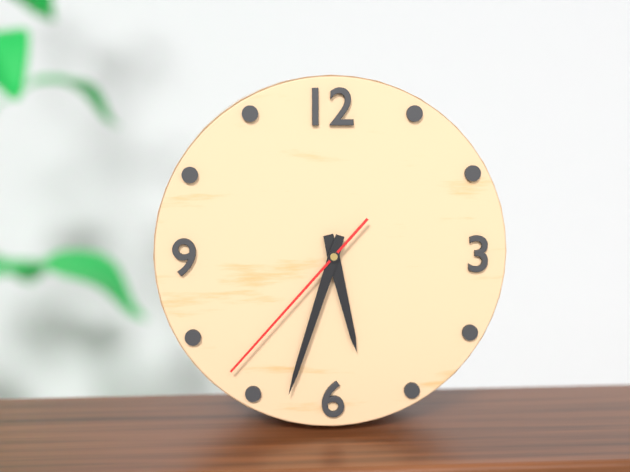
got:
h=5 m=33 s=37
